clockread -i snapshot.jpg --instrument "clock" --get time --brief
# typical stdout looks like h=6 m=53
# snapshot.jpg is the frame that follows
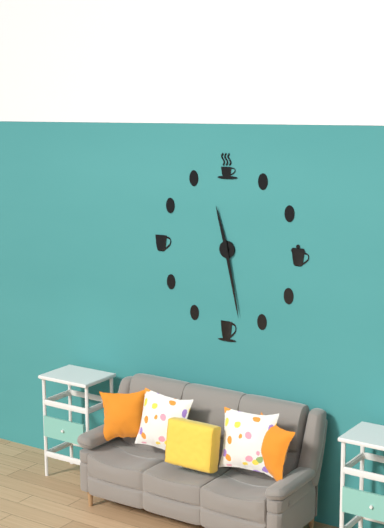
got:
h=11 m=28
